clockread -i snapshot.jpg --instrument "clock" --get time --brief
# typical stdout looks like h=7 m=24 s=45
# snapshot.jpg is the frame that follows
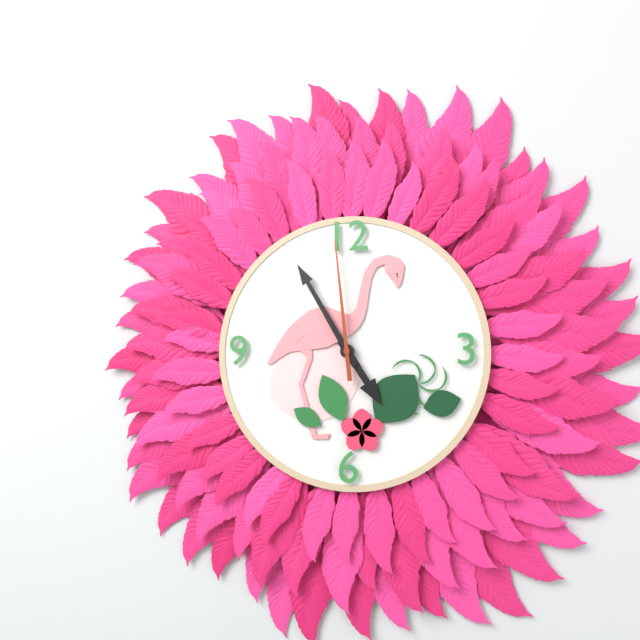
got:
h=4 m=55 s=59
